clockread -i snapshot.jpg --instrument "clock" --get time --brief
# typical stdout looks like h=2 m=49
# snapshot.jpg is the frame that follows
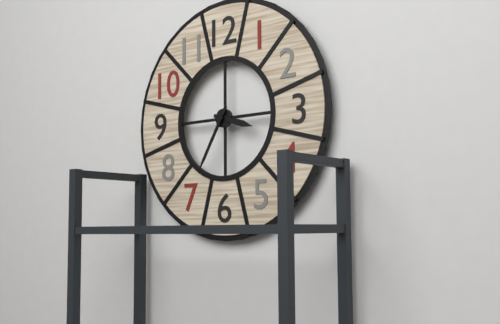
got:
h=3 m=35
